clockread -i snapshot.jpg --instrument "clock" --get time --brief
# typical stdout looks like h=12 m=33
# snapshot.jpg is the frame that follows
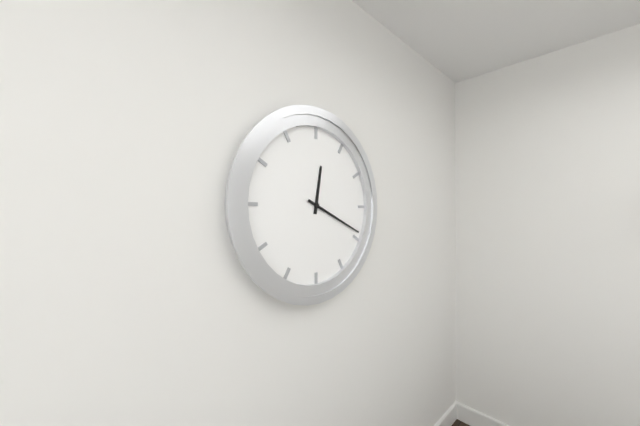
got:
h=12 m=19
